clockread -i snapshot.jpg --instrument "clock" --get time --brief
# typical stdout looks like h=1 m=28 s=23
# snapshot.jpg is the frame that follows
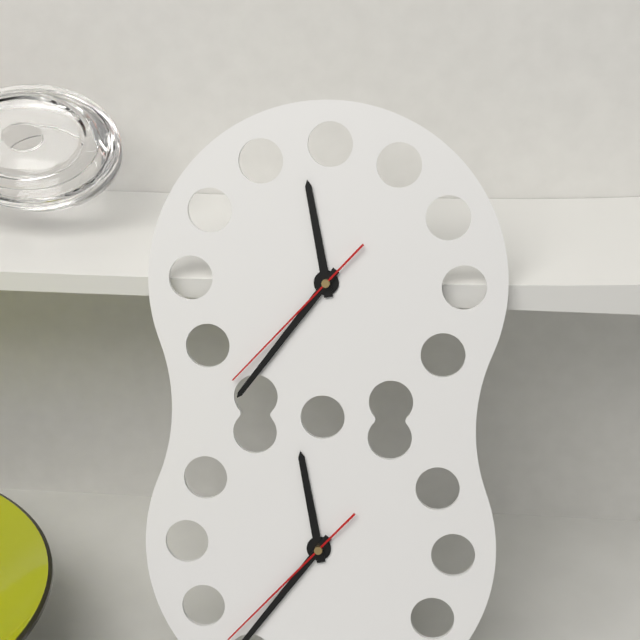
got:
h=11 m=36 s=37
